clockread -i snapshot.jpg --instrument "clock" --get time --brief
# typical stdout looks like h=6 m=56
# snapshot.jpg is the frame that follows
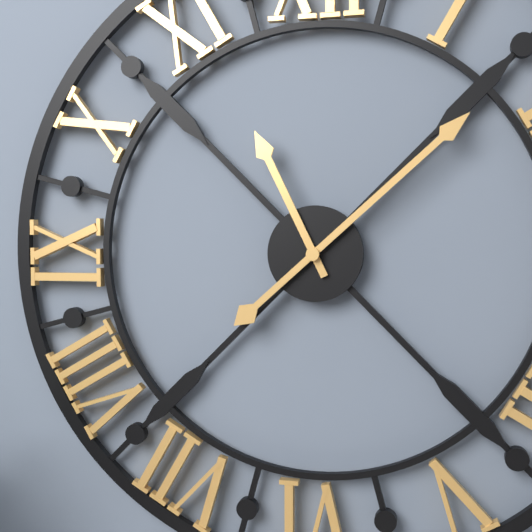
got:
h=11 m=8
